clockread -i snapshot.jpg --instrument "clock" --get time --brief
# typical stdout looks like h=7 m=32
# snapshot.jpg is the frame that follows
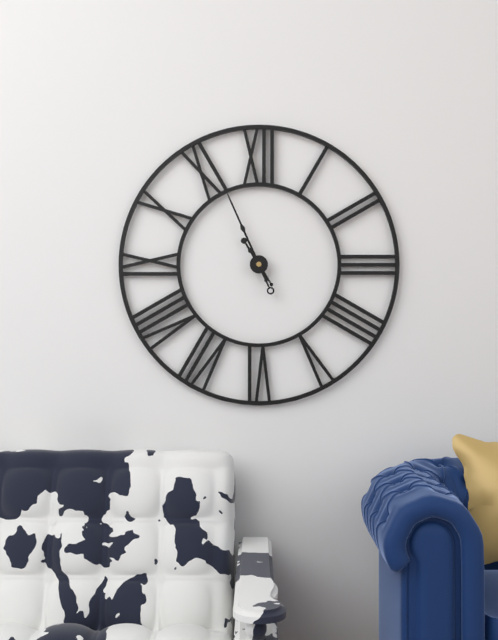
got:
h=10 m=56
